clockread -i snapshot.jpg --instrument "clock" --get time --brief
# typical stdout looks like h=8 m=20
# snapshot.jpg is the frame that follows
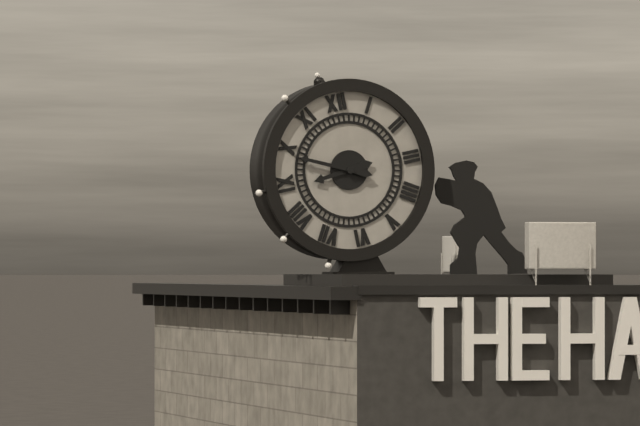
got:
h=8 m=49
